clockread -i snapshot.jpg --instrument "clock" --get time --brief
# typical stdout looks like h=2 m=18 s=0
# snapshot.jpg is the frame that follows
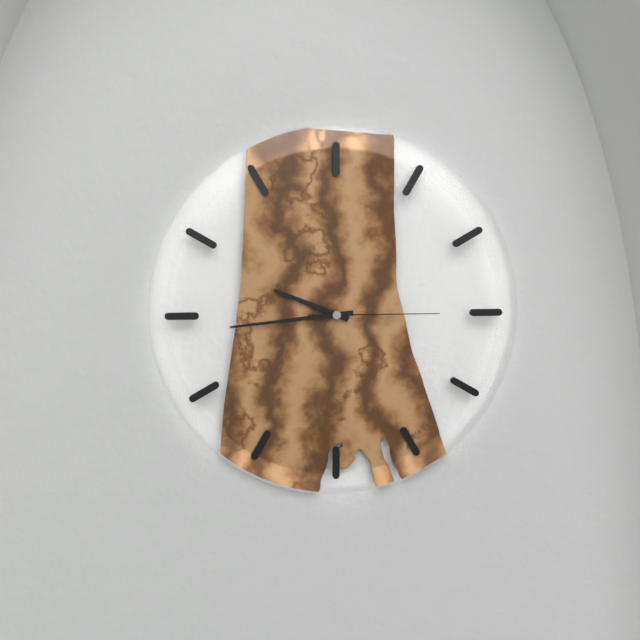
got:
h=9 m=44 s=15
